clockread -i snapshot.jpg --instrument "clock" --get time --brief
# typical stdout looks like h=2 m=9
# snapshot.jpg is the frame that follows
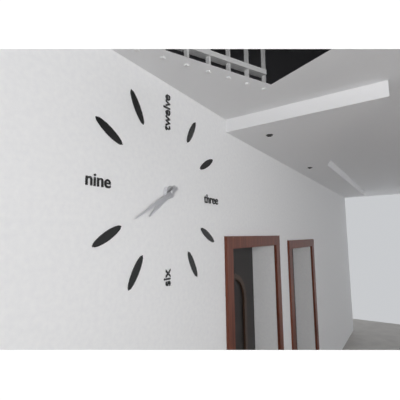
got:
h=7 m=40
